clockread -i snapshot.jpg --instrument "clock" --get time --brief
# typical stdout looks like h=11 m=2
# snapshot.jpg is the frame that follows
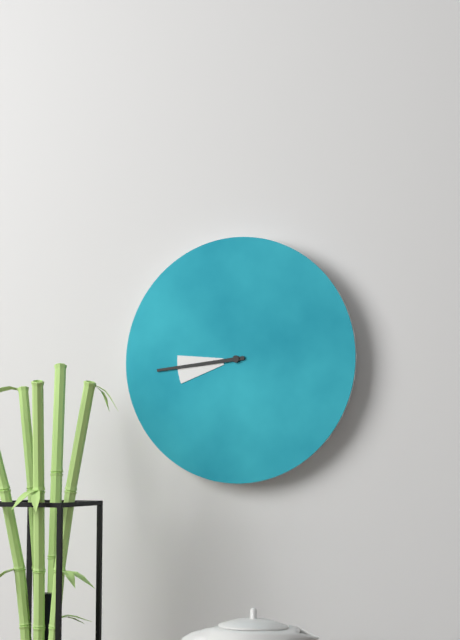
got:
h=8 m=44
